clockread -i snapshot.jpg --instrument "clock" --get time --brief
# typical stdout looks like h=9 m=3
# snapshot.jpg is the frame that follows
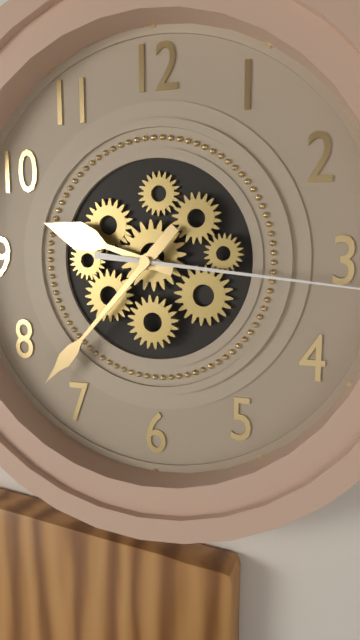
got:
h=9 m=37
